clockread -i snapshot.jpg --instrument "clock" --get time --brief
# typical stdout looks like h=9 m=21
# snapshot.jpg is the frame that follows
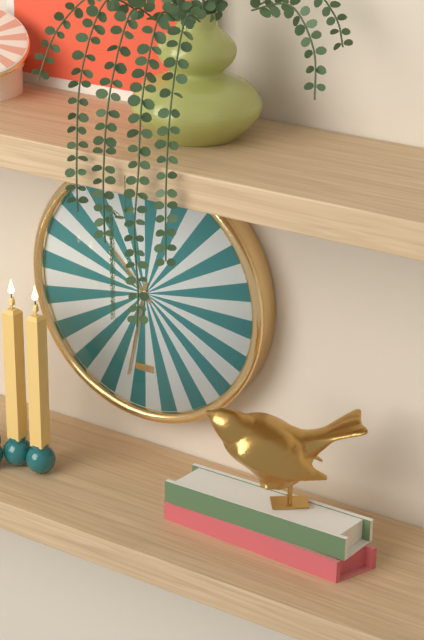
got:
h=10 m=32
